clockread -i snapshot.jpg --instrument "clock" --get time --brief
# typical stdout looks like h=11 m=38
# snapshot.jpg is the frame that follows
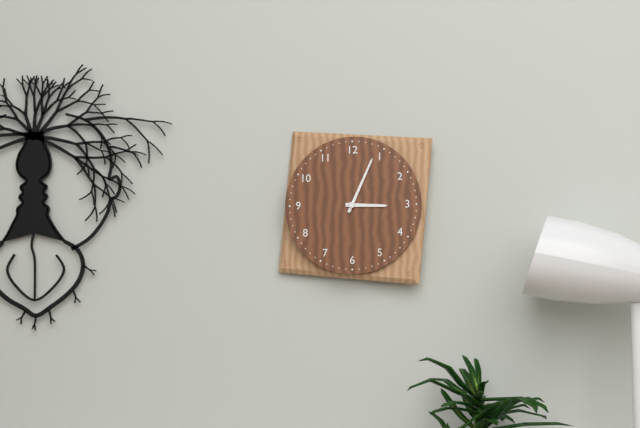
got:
h=3 m=4
